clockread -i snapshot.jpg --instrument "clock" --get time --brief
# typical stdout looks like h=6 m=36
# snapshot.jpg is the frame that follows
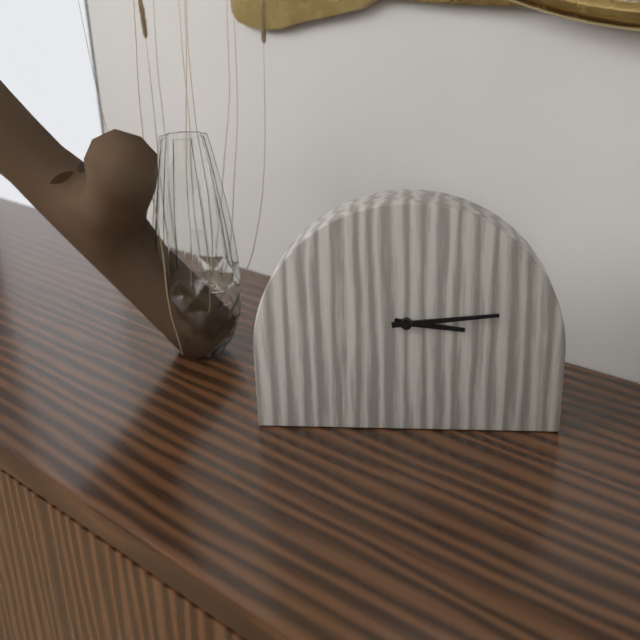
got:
h=3 m=14
